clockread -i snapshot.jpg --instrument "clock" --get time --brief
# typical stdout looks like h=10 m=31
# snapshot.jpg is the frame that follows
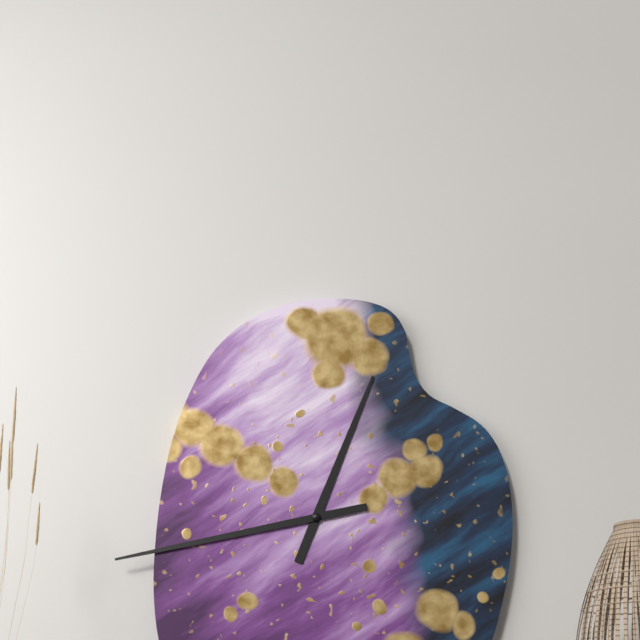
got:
h=12 m=43
